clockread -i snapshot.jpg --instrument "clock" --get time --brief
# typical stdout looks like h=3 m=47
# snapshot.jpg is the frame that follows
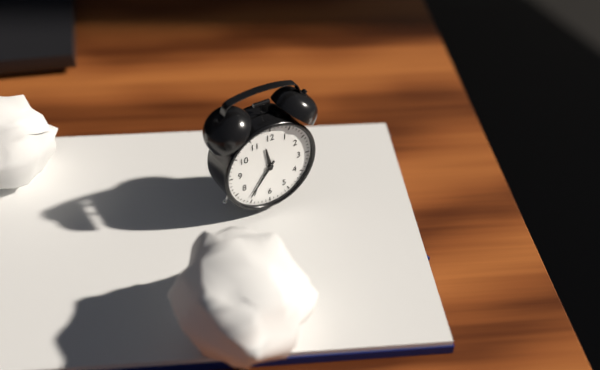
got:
h=11 m=36
